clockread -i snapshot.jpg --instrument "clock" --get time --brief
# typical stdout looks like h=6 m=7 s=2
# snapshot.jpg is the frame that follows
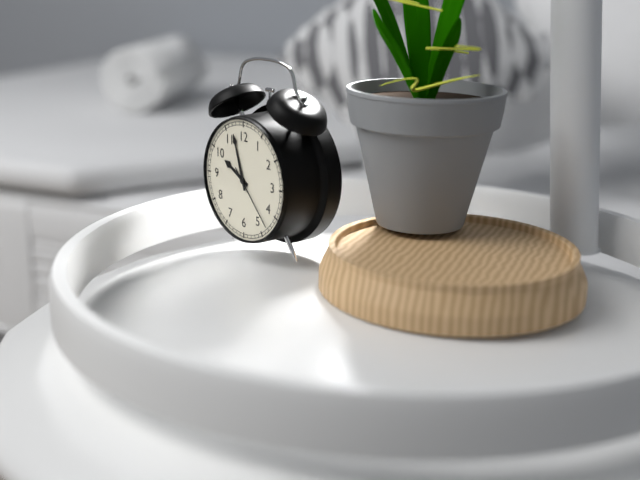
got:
h=9 m=57 s=23
